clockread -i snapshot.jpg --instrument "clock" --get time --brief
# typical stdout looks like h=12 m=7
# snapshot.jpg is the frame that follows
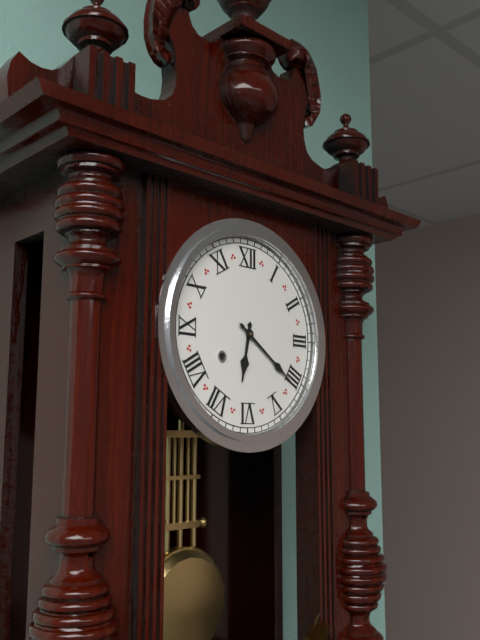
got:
h=6 m=21
